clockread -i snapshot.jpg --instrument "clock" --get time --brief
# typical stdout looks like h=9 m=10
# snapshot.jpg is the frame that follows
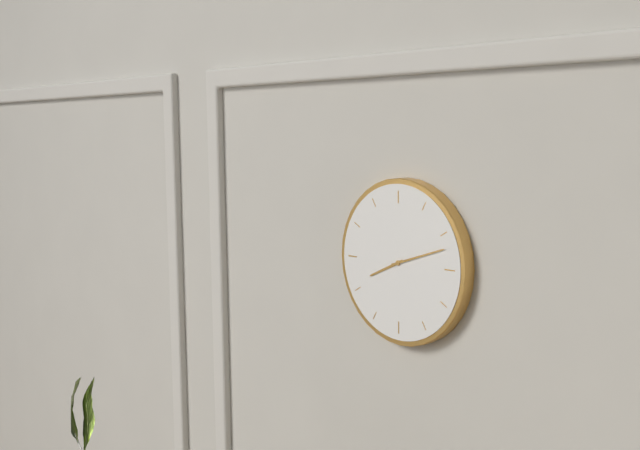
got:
h=8 m=12
